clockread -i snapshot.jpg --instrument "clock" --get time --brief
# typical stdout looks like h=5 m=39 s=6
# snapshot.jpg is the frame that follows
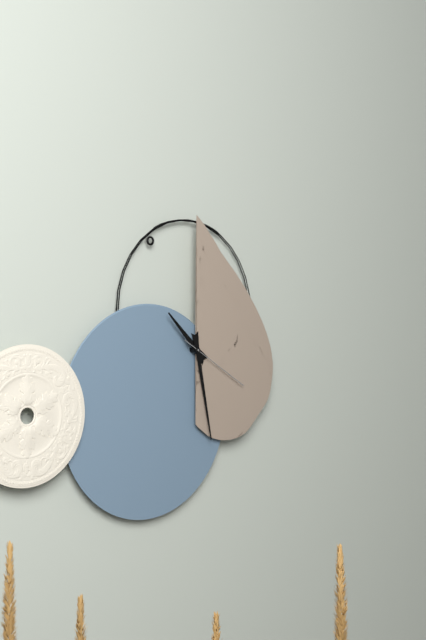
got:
h=10 m=28 s=20
